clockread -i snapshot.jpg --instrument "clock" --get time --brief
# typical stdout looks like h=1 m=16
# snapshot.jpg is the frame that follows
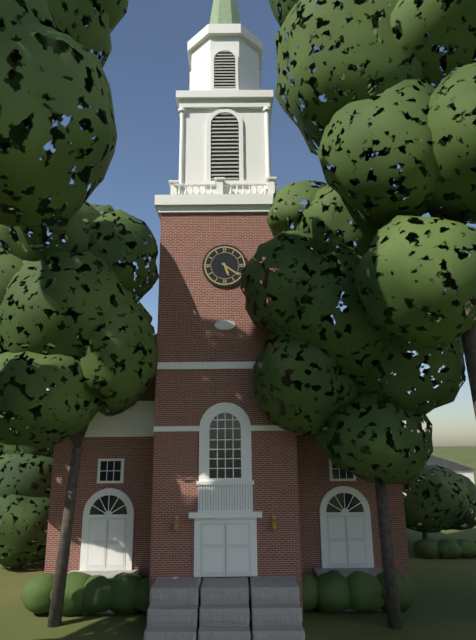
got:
h=5 m=21
